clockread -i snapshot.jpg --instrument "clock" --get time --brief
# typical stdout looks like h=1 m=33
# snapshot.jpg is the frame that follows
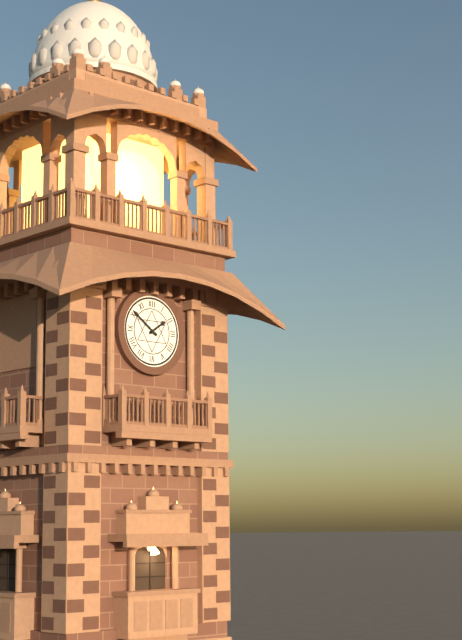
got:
h=1 m=51
